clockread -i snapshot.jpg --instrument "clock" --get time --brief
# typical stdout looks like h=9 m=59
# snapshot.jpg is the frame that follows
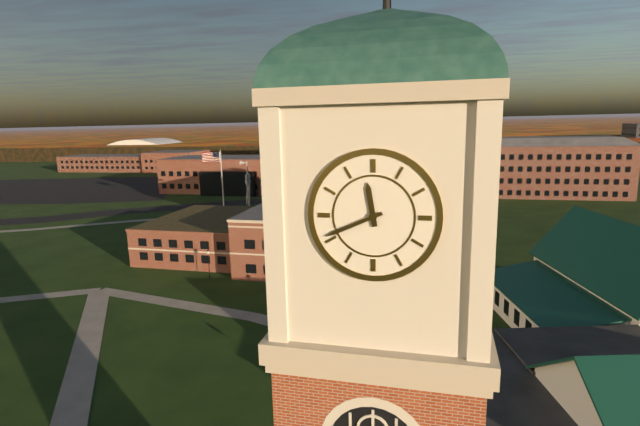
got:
h=11 m=41
